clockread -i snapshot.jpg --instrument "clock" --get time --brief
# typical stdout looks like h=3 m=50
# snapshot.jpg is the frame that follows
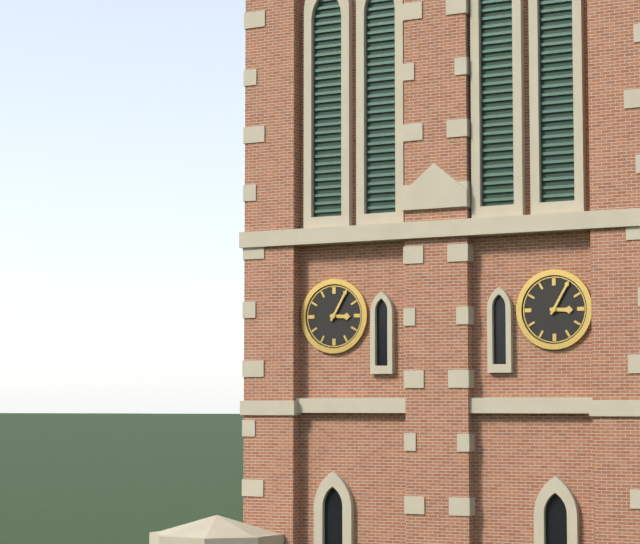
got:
h=3 m=5
